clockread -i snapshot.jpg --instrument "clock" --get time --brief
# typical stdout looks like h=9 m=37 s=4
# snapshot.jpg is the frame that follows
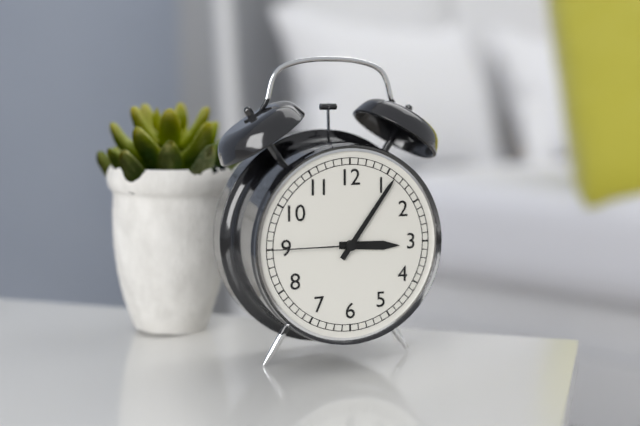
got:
h=3 m=6 s=45
